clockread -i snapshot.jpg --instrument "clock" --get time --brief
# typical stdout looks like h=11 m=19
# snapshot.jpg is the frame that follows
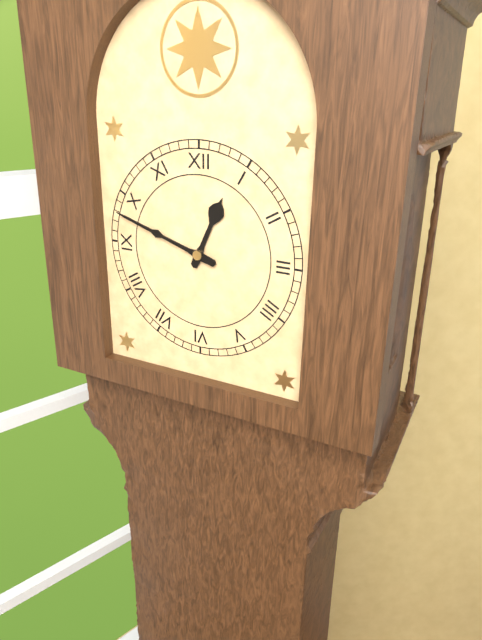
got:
h=12 m=48
